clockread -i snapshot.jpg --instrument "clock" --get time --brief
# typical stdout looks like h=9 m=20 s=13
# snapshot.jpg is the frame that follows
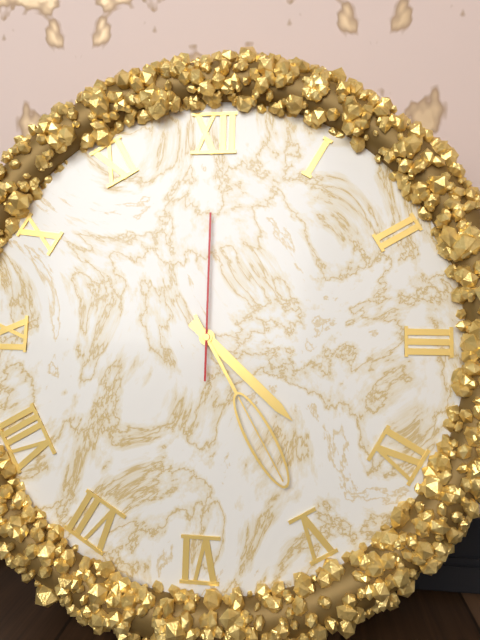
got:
h=4 m=25 s=0
